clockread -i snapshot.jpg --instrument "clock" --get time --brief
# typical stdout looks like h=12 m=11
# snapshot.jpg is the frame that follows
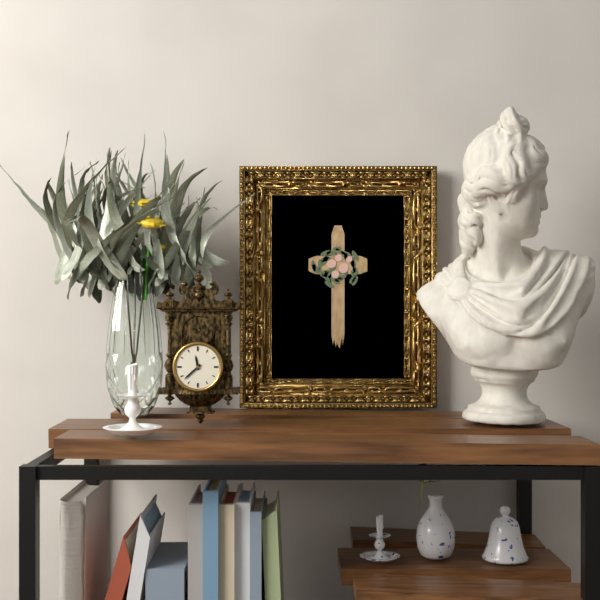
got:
h=11 m=38
